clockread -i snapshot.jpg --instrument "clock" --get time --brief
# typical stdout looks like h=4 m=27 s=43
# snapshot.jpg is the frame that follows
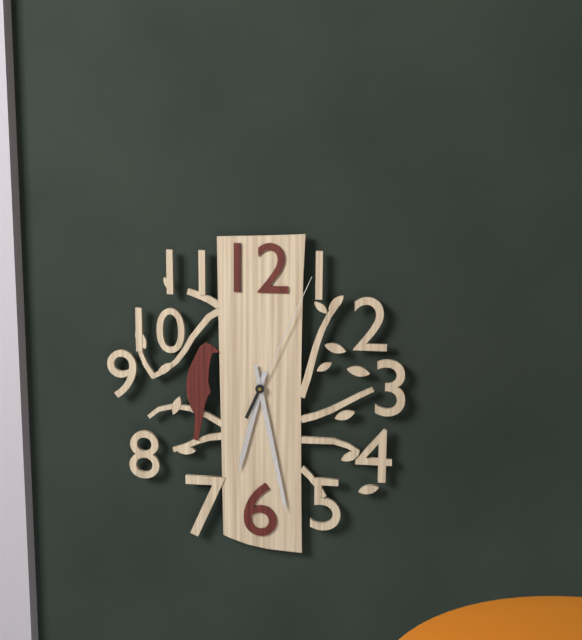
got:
h=6 m=28 s=4
